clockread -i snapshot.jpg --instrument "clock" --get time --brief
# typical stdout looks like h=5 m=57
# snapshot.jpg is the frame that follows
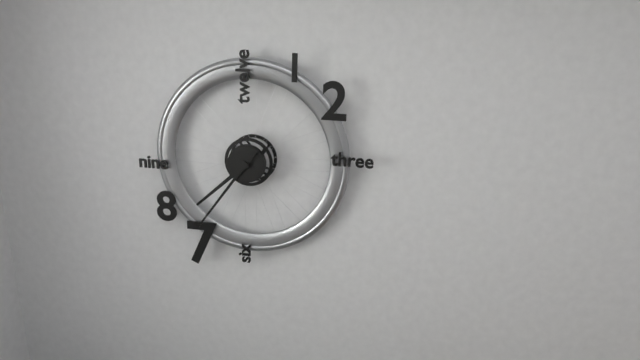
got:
h=7 m=36
